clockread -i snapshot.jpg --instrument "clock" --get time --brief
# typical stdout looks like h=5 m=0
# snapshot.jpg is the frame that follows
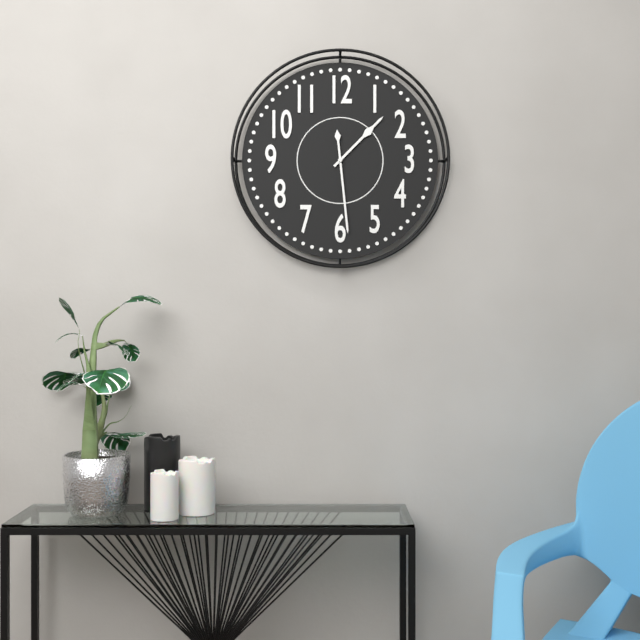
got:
h=1 m=29
